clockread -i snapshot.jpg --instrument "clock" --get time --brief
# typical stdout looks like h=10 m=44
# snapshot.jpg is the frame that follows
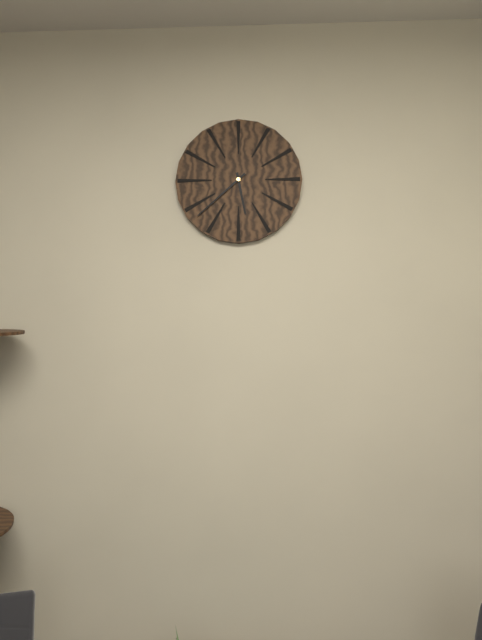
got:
h=5 m=38
